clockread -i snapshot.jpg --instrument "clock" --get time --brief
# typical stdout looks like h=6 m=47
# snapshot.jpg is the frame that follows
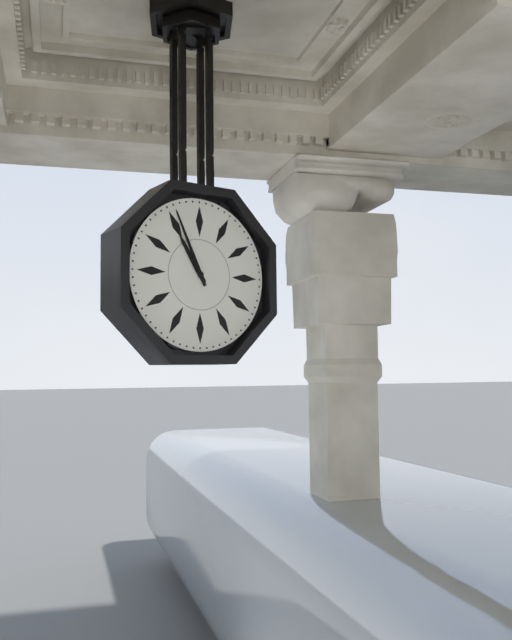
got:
h=10 m=56
